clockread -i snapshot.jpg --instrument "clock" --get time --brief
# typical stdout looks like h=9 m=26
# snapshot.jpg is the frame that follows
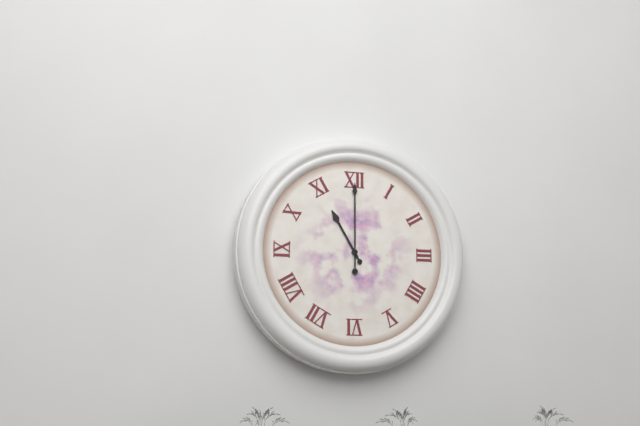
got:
h=11 m=0
